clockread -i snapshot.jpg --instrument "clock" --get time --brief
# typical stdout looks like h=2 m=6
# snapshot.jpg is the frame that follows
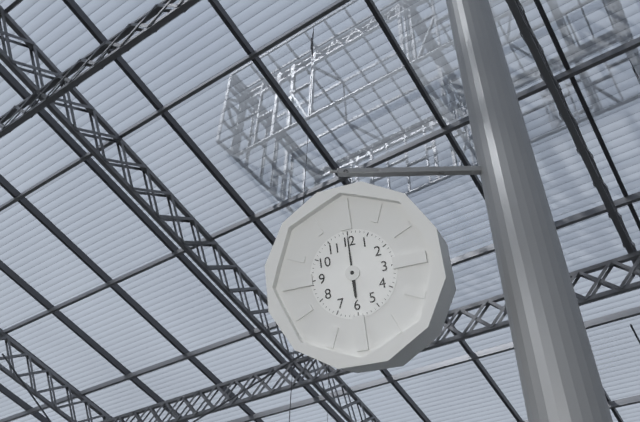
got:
h=6 m=0
